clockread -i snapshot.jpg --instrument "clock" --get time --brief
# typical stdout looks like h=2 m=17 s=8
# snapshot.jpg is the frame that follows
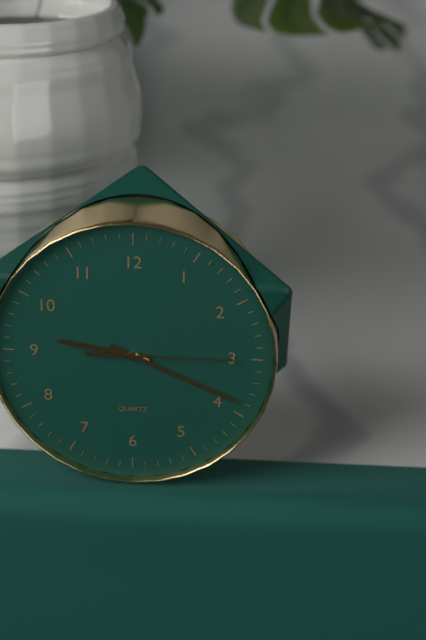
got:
h=9 m=19 s=15
